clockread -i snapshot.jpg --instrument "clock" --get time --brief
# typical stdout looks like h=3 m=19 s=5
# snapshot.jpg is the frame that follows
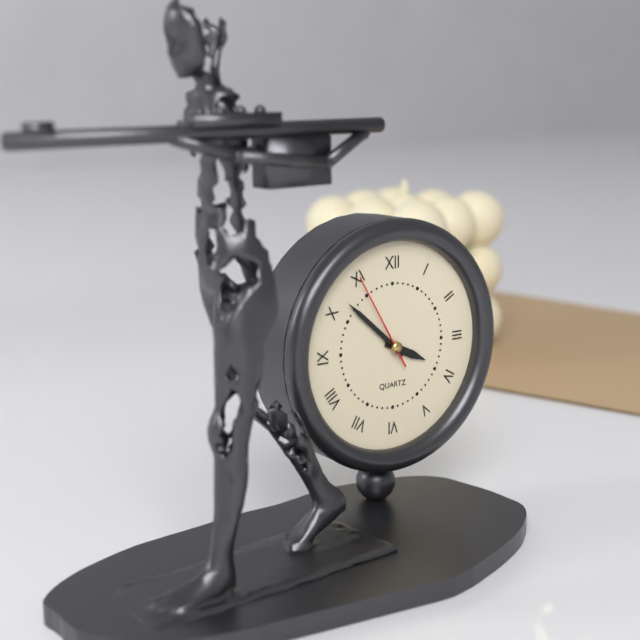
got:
h=3 m=52 s=55
